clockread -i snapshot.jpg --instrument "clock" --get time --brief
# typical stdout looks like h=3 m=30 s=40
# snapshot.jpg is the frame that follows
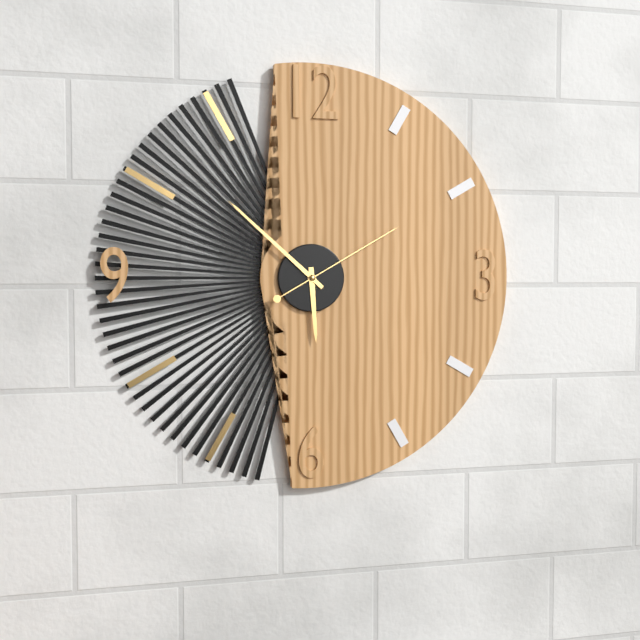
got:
h=5 m=52 s=10
